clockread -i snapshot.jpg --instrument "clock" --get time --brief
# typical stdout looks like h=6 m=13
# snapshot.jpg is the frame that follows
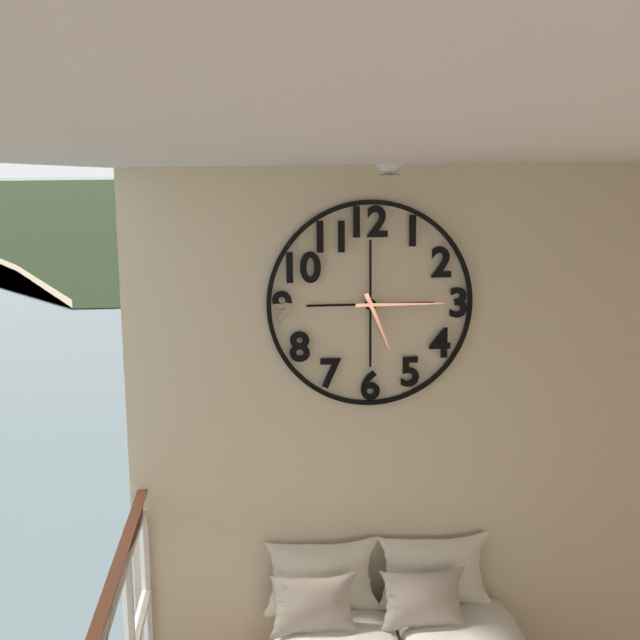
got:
h=5 m=15
